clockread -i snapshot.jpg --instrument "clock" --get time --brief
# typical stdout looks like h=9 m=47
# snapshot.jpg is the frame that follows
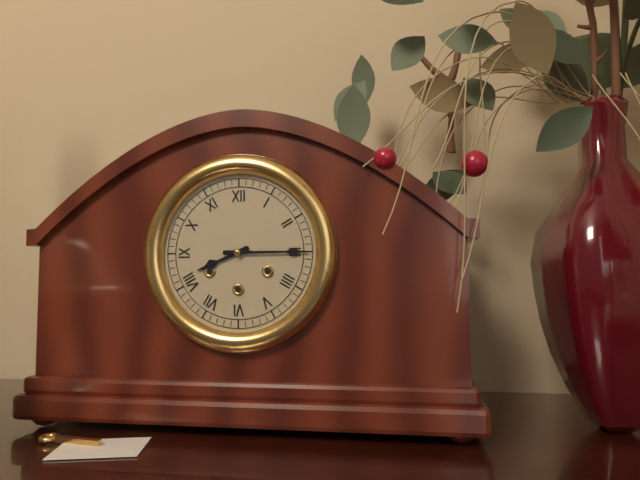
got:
h=8 m=15
